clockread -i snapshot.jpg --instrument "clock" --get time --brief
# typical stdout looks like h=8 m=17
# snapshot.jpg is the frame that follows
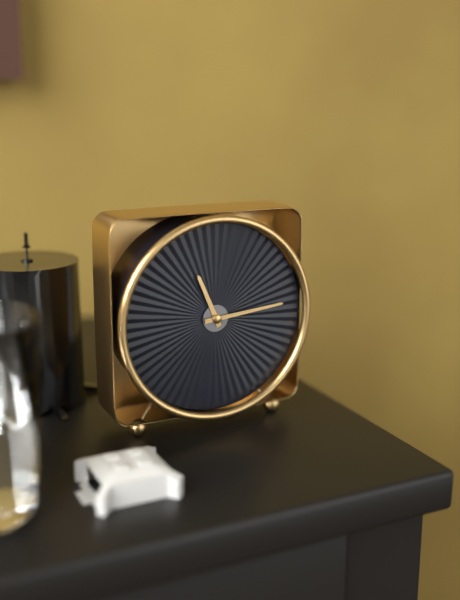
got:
h=11 m=14
